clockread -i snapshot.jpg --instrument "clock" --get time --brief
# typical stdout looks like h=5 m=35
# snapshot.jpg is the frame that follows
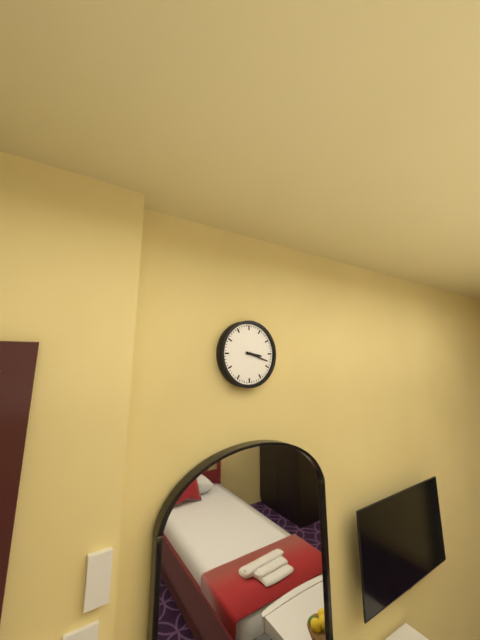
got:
h=3 m=18
